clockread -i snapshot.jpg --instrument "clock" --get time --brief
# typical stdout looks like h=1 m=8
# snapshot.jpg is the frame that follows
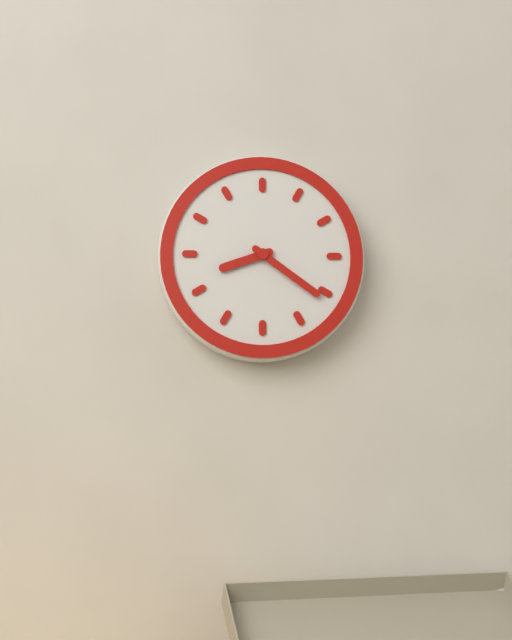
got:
h=8 m=21
